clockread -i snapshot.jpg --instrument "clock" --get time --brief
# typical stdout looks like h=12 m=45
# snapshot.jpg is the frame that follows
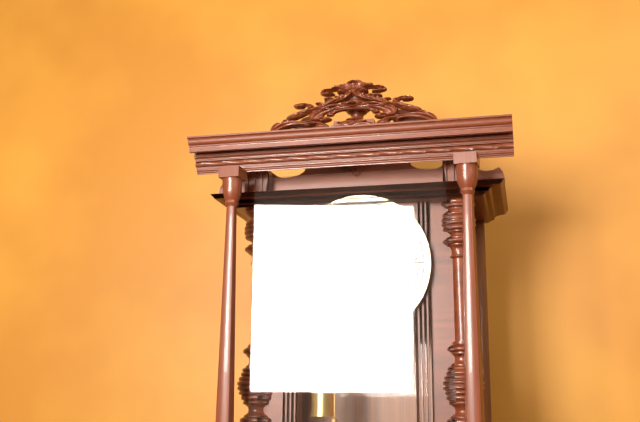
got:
h=12 m=55
